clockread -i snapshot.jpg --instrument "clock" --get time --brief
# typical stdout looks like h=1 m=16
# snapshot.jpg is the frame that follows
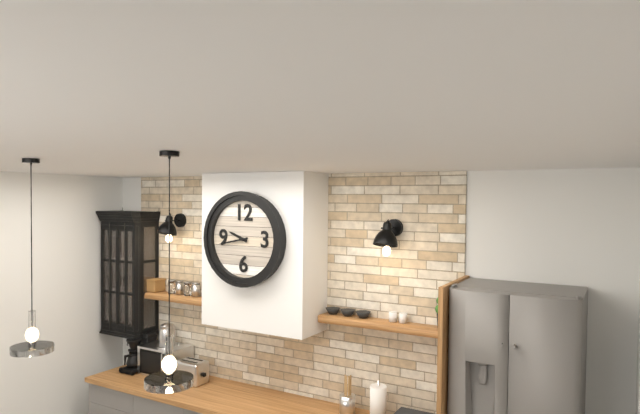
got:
h=9 m=43
